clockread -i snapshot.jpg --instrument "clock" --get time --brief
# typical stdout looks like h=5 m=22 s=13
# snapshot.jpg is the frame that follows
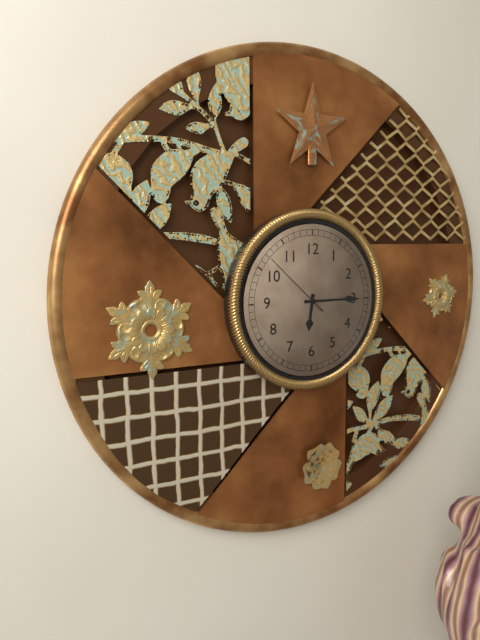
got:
h=6 m=15 s=52
